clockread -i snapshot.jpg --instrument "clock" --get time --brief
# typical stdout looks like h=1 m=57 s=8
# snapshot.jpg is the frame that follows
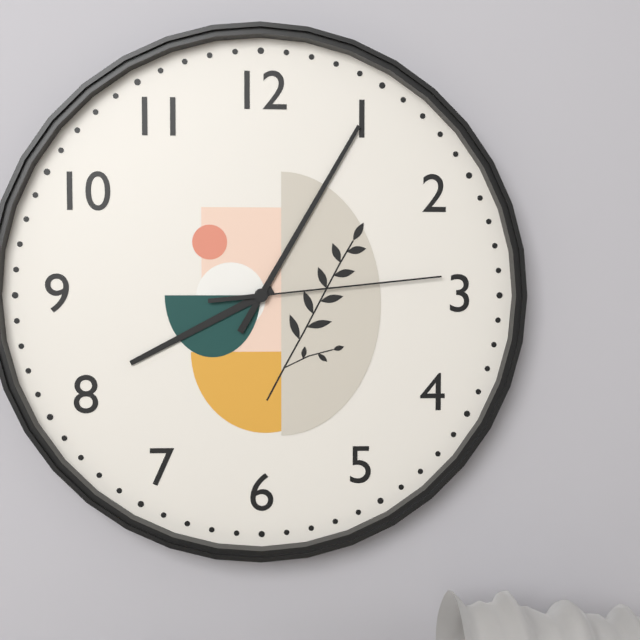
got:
h=8 m=5 s=14
